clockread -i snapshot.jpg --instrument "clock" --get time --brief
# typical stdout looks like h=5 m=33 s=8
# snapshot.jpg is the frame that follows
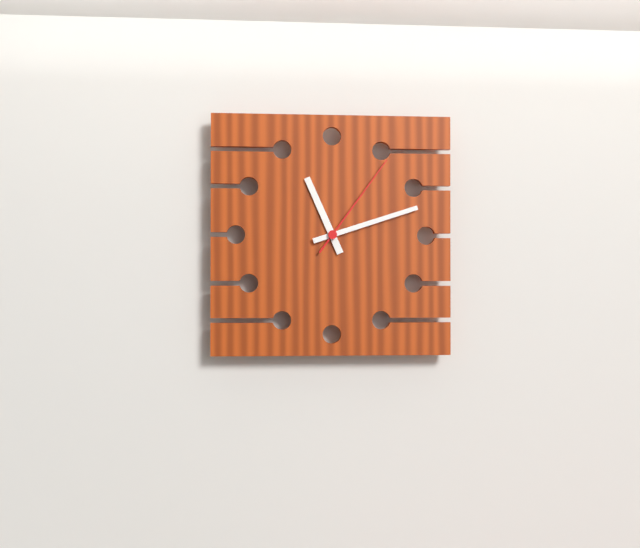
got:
h=11 m=12 s=6
